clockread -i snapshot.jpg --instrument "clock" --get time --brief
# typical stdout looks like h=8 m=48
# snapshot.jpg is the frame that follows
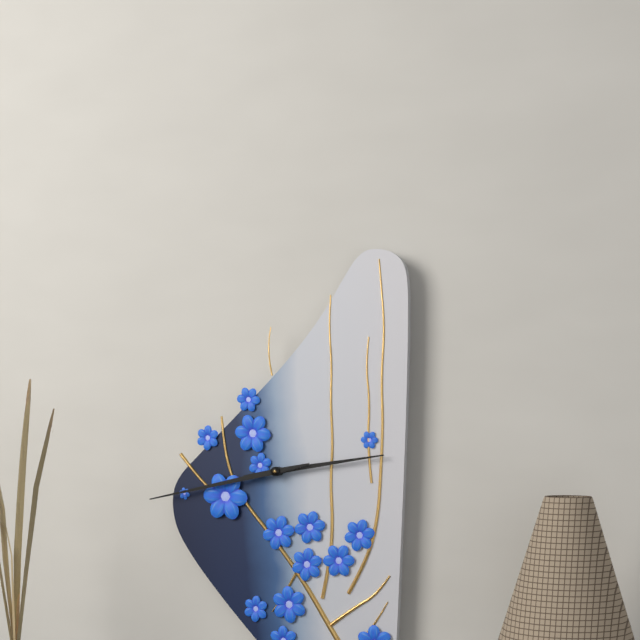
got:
h=2 m=43
